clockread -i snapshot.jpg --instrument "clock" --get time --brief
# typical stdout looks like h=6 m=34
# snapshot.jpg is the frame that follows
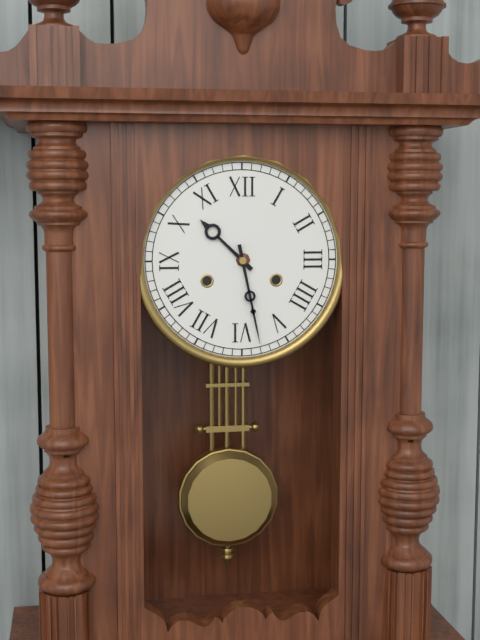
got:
h=10 m=28
